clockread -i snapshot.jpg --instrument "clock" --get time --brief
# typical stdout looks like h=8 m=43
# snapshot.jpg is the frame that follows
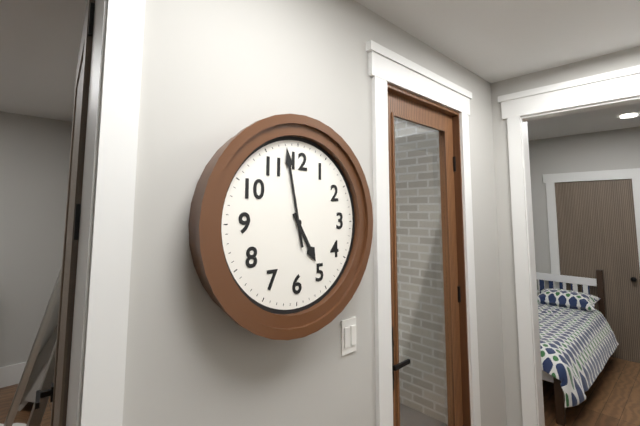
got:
h=4 m=58
